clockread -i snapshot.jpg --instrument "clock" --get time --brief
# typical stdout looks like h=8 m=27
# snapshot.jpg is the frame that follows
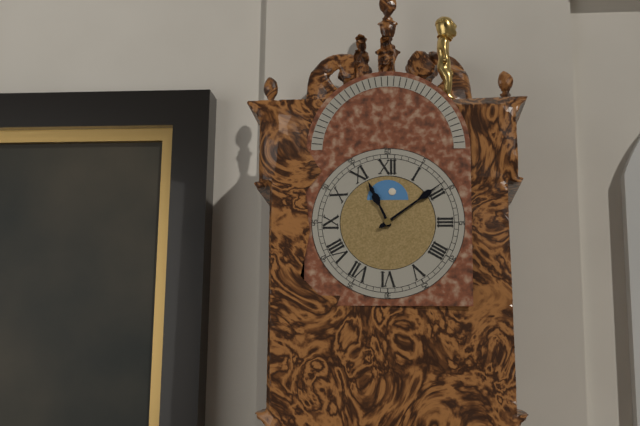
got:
h=11 m=9
